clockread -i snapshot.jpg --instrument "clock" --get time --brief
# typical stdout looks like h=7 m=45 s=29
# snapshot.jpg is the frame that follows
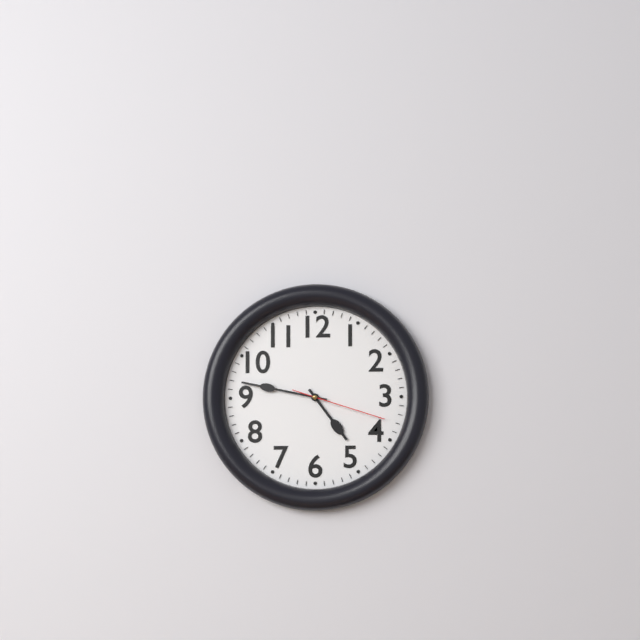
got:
h=4 m=47 s=18
